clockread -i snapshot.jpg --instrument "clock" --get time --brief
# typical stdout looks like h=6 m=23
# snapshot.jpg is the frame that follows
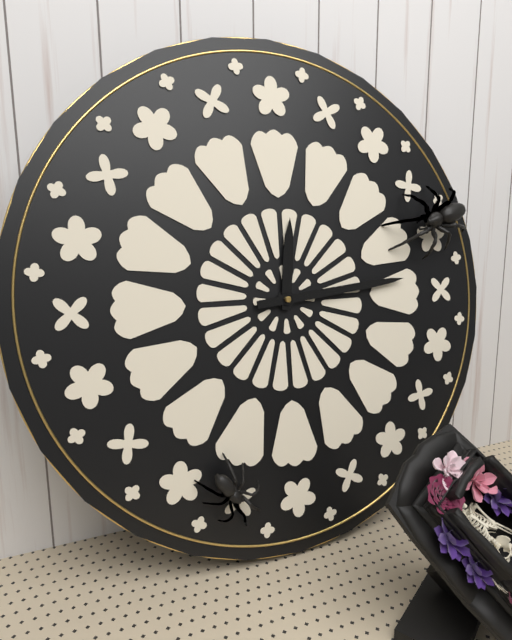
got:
h=12 m=14
